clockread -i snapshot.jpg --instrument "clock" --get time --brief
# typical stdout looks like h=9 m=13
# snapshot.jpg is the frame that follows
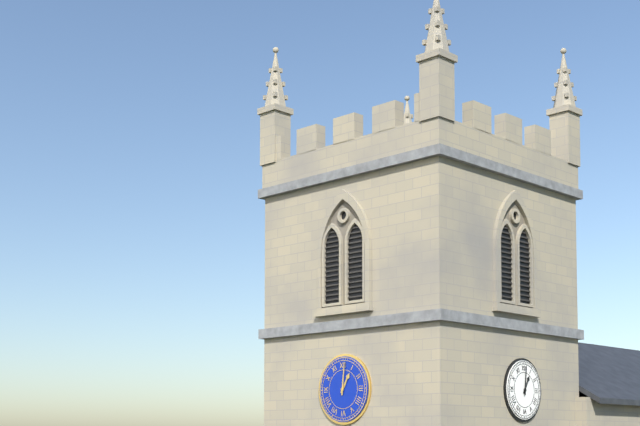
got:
h=1 m=1
